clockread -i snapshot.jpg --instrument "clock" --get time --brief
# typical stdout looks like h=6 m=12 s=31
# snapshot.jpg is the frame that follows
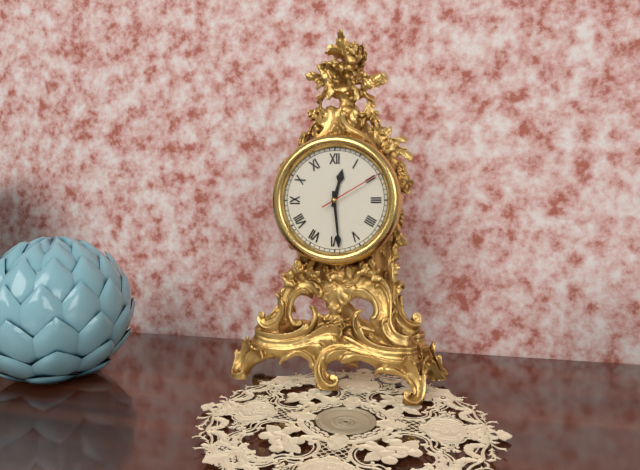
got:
h=12 m=29 s=10
